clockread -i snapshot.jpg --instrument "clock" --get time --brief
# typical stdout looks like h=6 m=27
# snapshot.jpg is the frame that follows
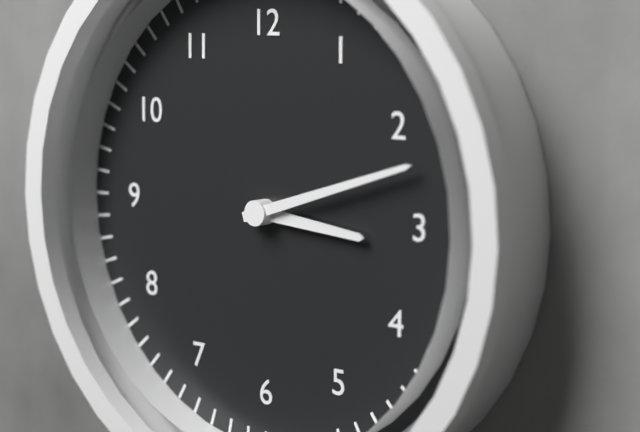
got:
h=3 m=12
